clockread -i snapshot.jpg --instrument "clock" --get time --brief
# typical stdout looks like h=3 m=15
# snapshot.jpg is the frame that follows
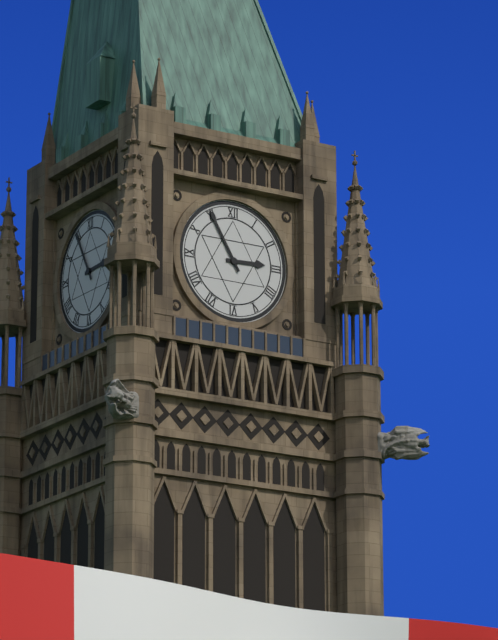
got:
h=2 m=55
